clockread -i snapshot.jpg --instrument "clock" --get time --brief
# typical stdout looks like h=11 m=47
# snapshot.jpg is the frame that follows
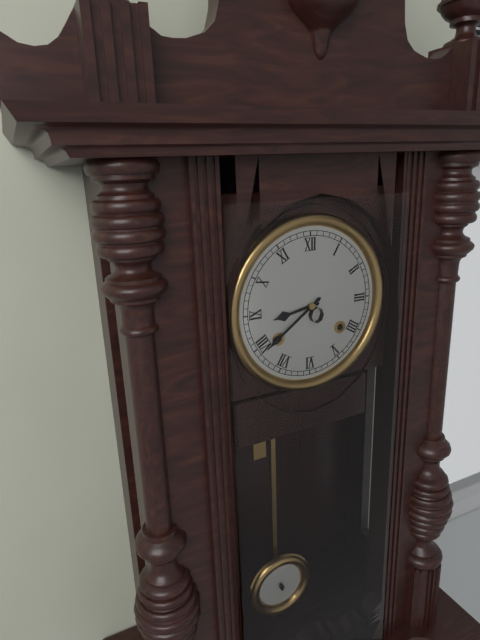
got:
h=8 m=39
